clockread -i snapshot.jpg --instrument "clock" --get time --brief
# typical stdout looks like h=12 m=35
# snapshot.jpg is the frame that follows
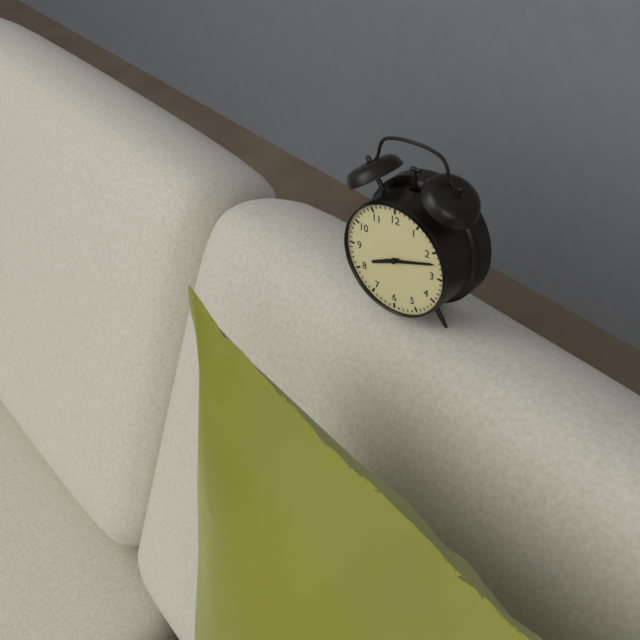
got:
h=8 m=12
